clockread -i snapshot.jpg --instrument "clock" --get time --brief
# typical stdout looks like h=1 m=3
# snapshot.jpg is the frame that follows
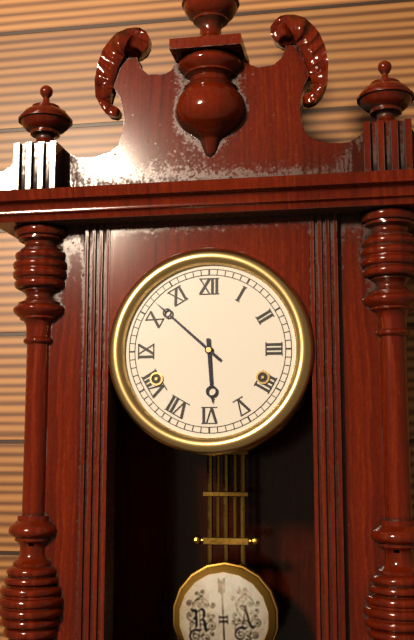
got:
h=5 m=52
